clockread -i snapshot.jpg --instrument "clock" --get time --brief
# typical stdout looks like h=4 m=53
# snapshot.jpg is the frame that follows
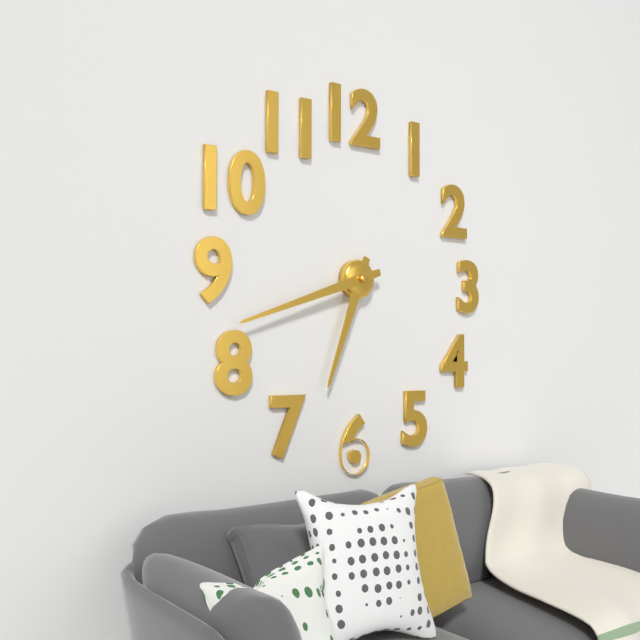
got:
h=6 m=42
